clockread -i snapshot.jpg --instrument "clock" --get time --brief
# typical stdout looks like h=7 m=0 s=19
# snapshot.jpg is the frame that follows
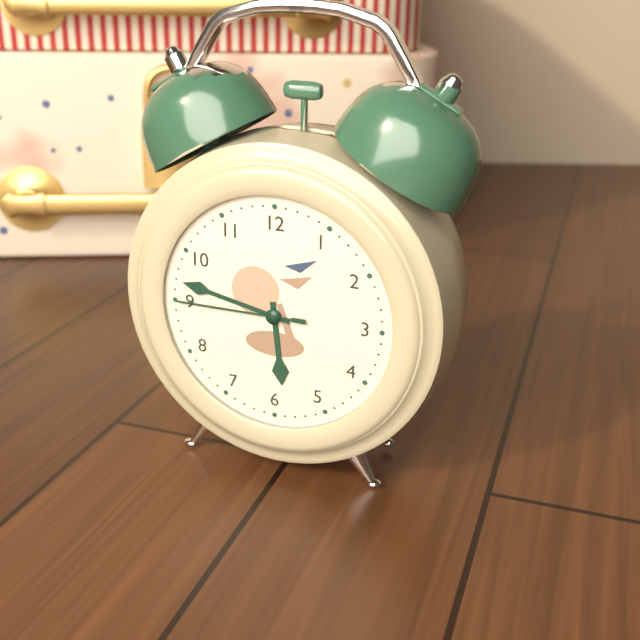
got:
h=5 m=47 s=45
